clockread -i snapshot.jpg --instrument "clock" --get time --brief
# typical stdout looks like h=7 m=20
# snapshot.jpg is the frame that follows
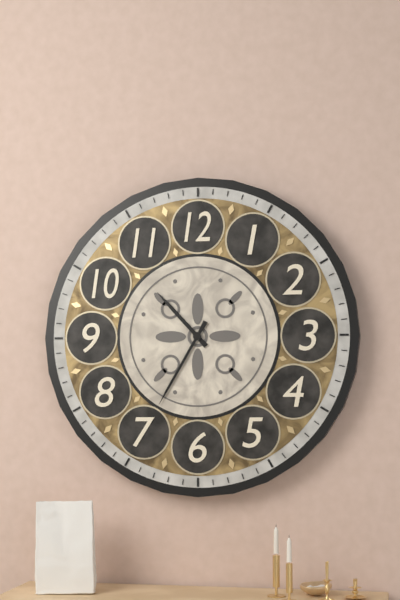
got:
h=10 m=35
